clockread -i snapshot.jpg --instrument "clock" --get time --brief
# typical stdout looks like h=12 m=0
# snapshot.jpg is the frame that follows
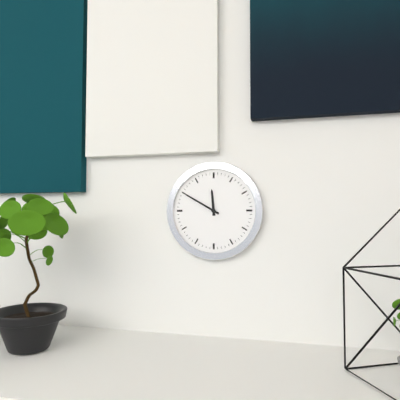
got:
h=11 m=50
